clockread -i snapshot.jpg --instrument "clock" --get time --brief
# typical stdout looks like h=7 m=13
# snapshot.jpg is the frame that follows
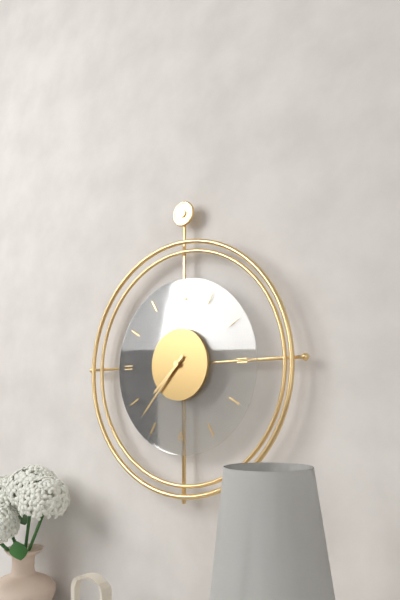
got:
h=7 m=37
